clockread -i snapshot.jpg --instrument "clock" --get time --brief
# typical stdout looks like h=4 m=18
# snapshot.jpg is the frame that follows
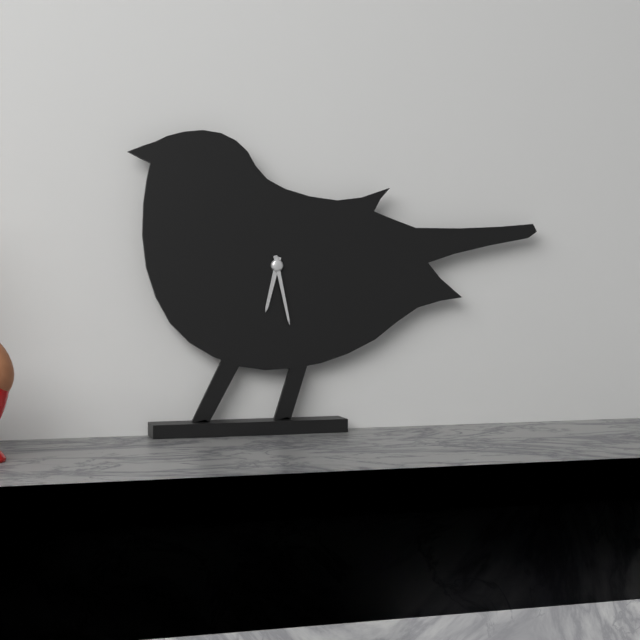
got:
h=6 m=28
